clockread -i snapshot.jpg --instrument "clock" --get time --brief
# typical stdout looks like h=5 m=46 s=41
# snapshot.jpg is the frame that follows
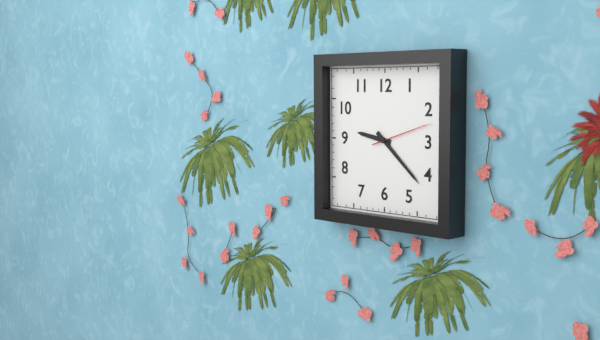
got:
h=9 m=22 s=12
